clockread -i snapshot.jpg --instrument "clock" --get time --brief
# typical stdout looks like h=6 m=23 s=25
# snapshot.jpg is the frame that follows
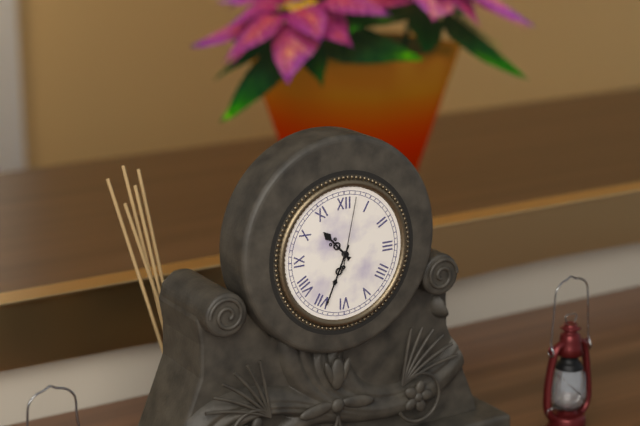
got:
h=10 m=34 s=2
